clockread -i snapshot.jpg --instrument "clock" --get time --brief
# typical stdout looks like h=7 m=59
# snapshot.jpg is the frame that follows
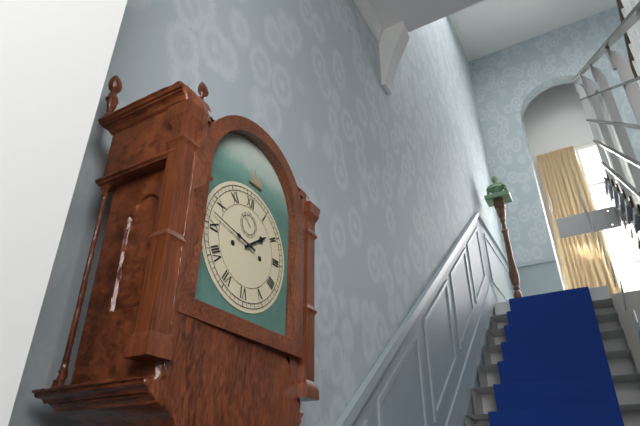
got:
h=1 m=47
